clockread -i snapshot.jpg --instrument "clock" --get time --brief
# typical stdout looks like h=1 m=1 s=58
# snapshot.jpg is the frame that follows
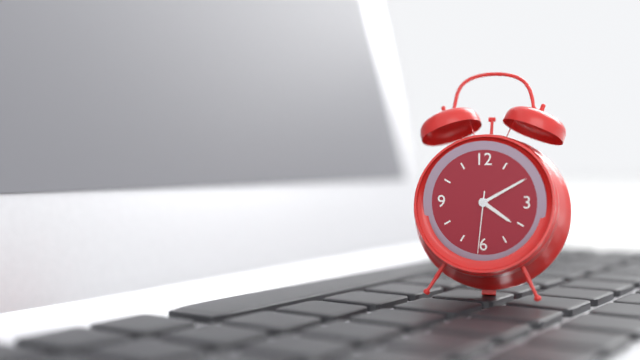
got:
h=4 m=10 s=31
